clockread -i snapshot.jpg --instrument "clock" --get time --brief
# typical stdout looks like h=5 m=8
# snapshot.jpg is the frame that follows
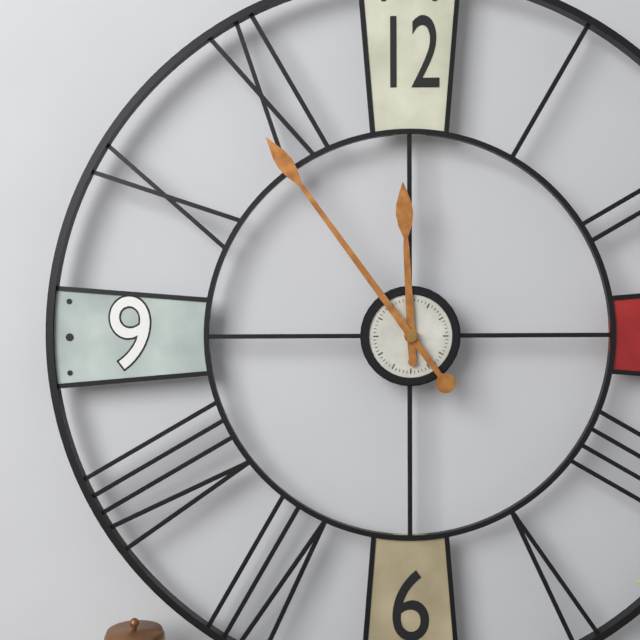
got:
h=11 m=54
